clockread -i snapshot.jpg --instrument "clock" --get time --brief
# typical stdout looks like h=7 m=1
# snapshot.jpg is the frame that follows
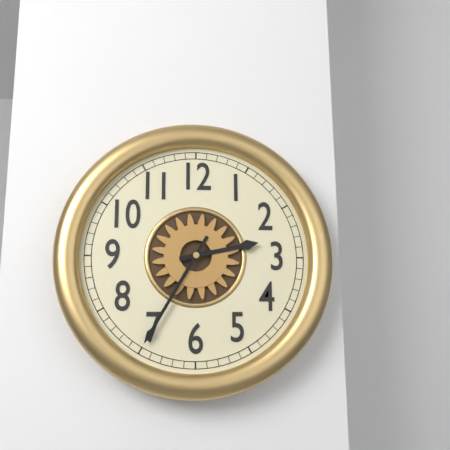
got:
h=2 m=35
